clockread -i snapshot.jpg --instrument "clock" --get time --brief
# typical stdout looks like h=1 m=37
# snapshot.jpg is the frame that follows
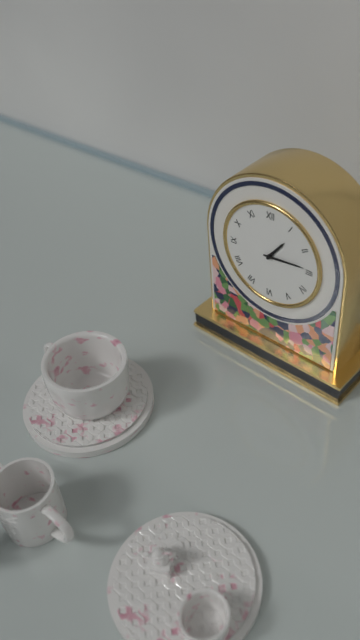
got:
h=1 m=14
